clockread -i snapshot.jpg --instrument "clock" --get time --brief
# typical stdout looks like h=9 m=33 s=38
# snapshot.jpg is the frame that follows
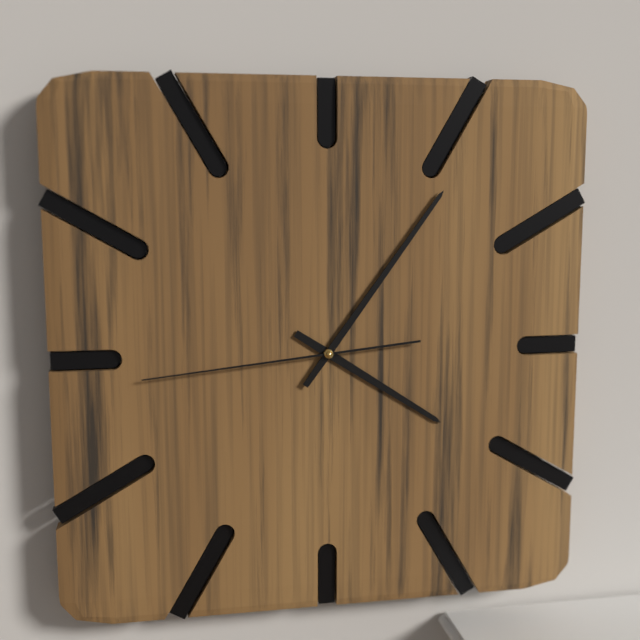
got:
h=4 m=6 s=44
